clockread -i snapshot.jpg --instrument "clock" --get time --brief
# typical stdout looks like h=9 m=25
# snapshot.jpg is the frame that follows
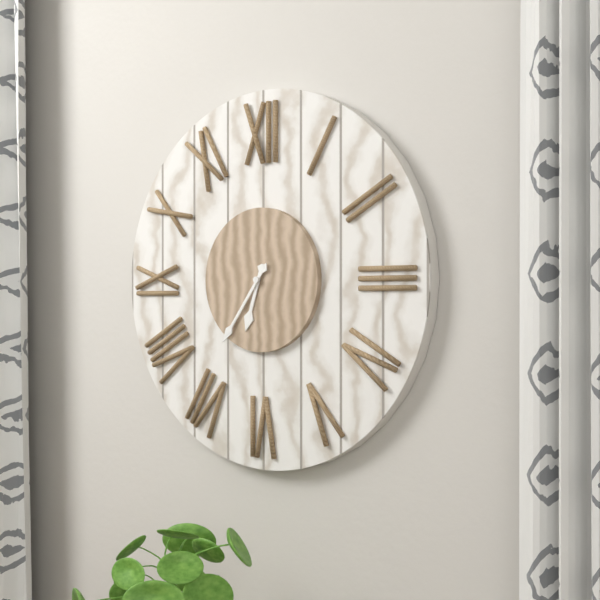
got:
h=6 m=36
